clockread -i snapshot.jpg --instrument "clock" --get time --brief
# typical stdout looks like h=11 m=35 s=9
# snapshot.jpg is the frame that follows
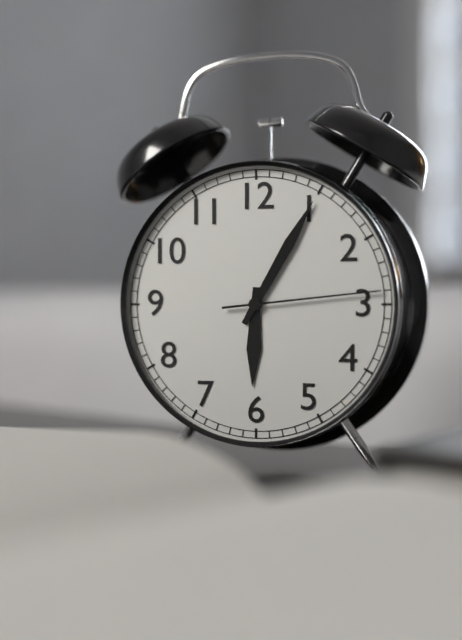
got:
h=6 m=5 s=14
